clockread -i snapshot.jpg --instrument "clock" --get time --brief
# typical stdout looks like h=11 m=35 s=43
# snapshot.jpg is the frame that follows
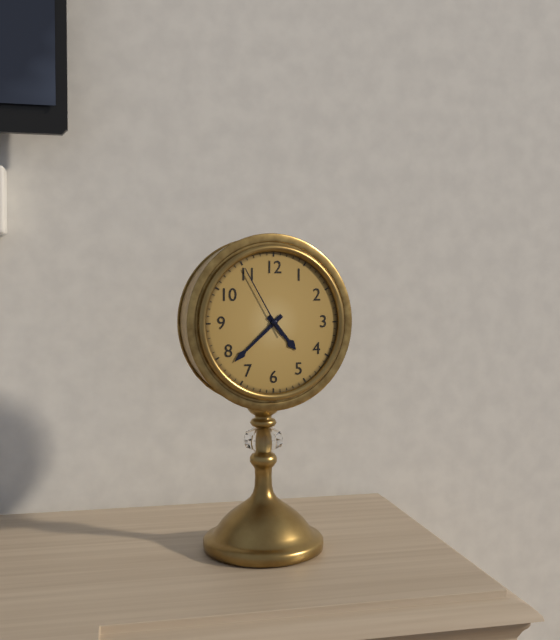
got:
h=4 m=38 s=55
